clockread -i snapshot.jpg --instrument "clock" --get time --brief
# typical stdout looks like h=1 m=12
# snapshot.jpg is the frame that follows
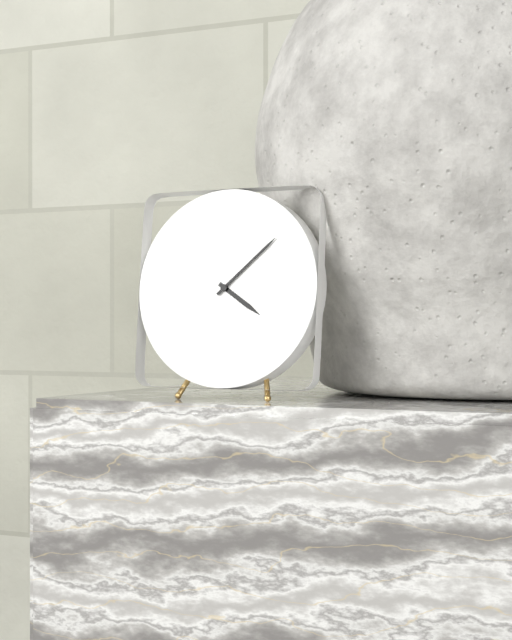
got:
h=4 m=8
